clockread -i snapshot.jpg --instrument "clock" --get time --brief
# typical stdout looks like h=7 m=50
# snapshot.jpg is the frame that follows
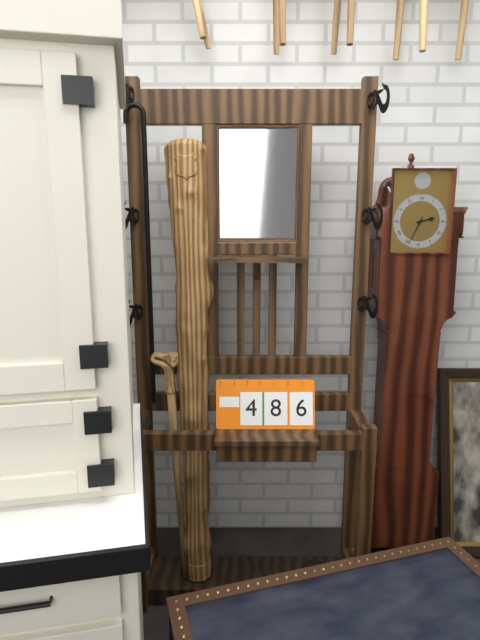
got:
h=2 m=34
